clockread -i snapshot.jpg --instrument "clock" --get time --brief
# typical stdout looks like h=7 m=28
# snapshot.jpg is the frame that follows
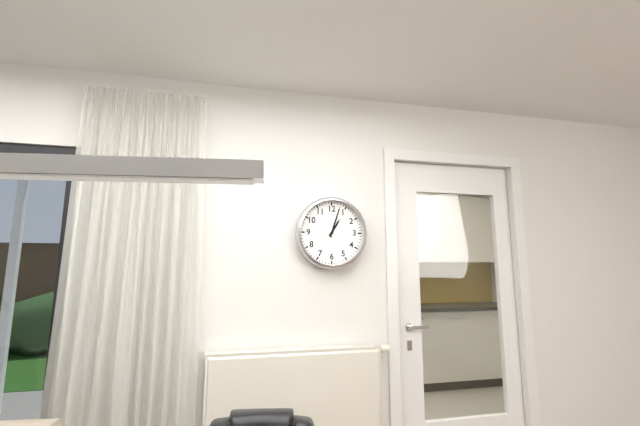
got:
h=1 m=3
